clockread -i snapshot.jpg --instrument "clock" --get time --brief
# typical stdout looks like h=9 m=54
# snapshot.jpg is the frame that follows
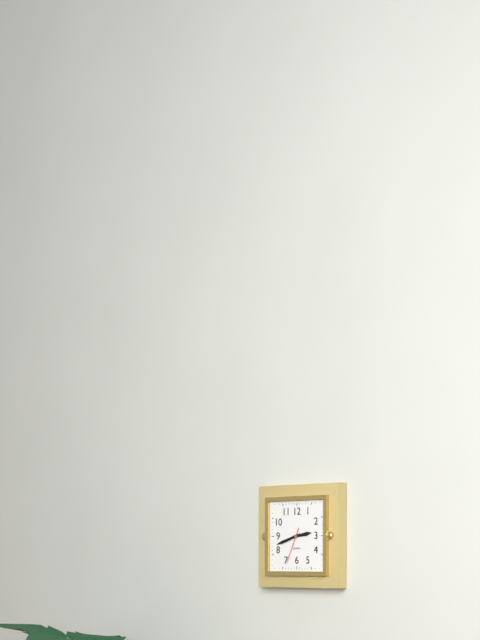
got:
h=2 m=42
